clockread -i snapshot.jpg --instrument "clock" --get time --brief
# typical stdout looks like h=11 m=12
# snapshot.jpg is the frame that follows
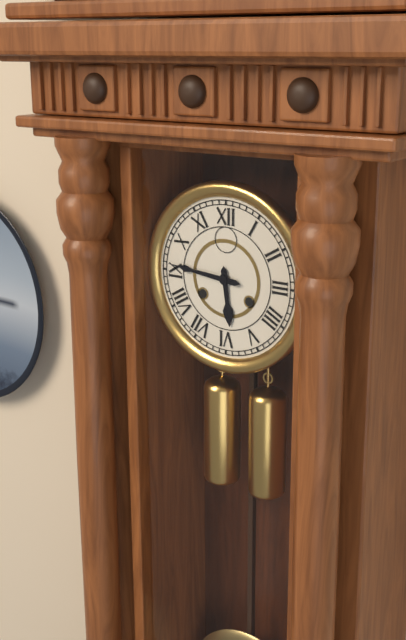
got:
h=5 m=46
